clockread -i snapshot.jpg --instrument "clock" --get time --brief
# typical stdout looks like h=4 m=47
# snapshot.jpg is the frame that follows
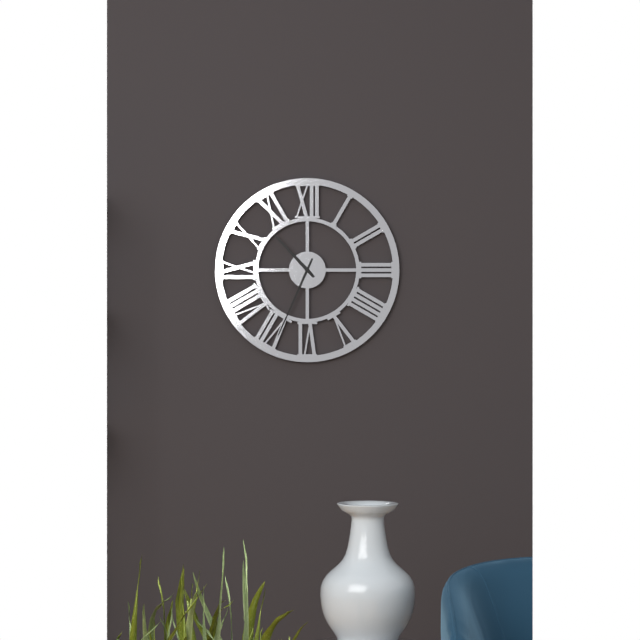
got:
h=10 m=34
